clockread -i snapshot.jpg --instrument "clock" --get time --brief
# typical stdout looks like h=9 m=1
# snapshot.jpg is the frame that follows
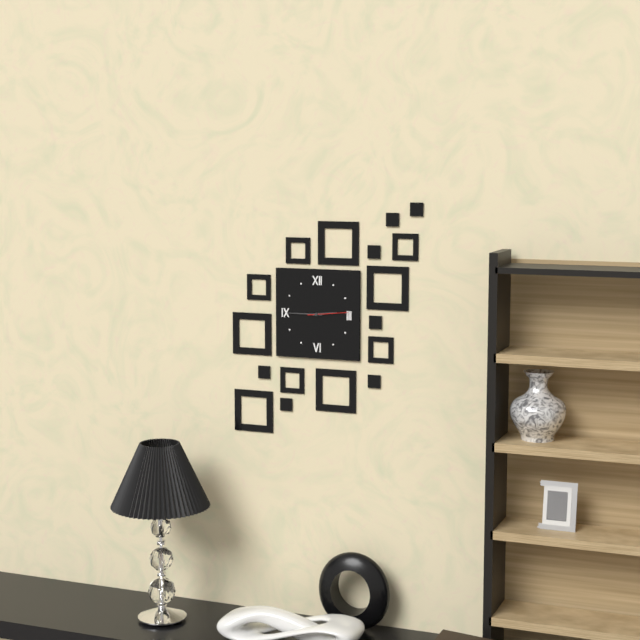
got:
h=2 m=45
